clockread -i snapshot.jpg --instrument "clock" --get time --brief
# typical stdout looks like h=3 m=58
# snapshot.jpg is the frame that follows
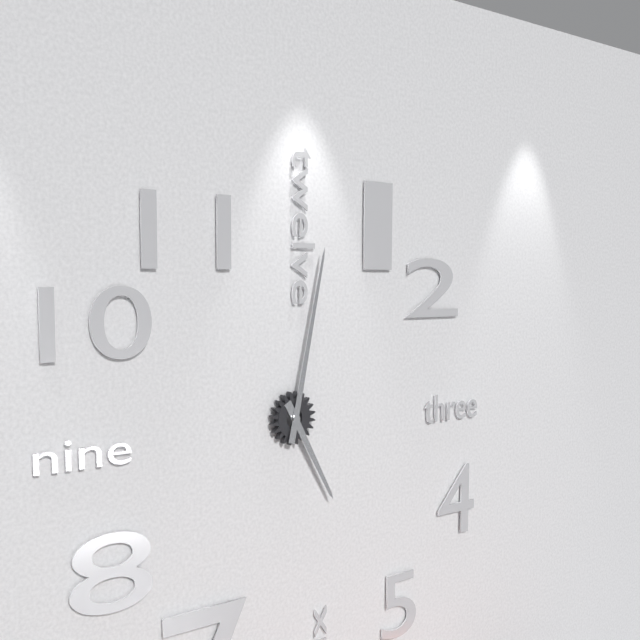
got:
h=5 m=2
